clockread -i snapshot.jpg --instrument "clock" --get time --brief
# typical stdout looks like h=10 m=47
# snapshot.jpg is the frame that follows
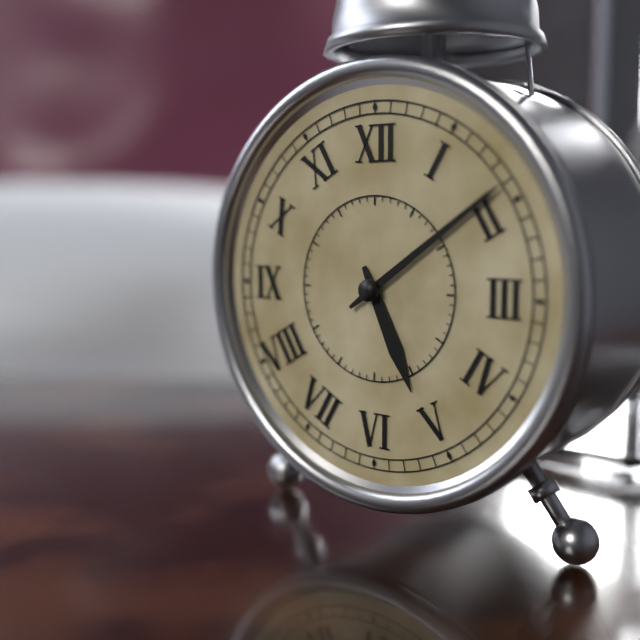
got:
h=5 m=9
